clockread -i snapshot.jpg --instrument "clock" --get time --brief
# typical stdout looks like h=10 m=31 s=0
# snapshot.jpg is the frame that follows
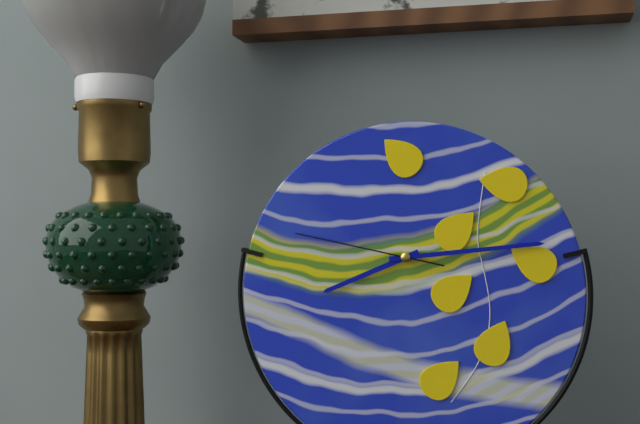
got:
h=8 m=14 s=47
